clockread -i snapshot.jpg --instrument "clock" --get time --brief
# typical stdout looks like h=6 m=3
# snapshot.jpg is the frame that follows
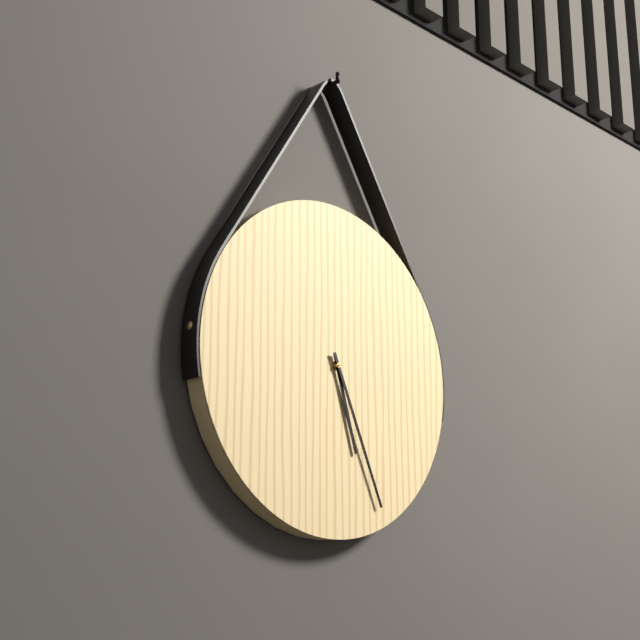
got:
h=5 m=26
